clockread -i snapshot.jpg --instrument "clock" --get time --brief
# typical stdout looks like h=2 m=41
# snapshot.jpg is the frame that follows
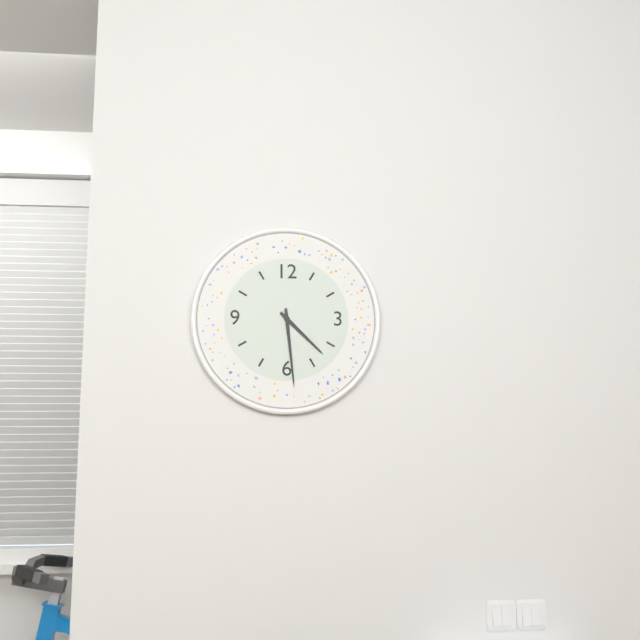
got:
h=4 m=29
